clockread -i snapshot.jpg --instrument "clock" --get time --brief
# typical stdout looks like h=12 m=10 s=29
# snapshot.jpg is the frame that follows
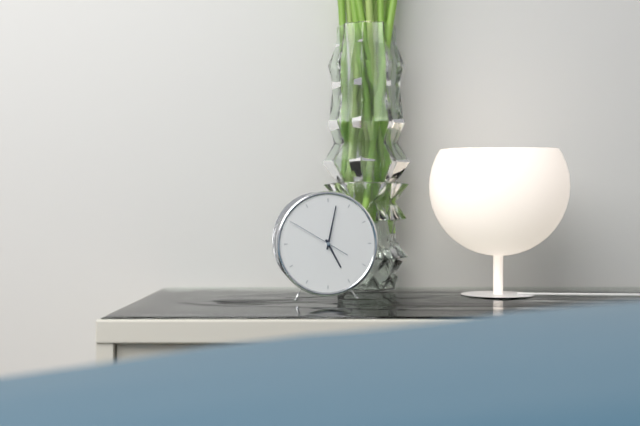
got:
h=5 m=2 s=50
